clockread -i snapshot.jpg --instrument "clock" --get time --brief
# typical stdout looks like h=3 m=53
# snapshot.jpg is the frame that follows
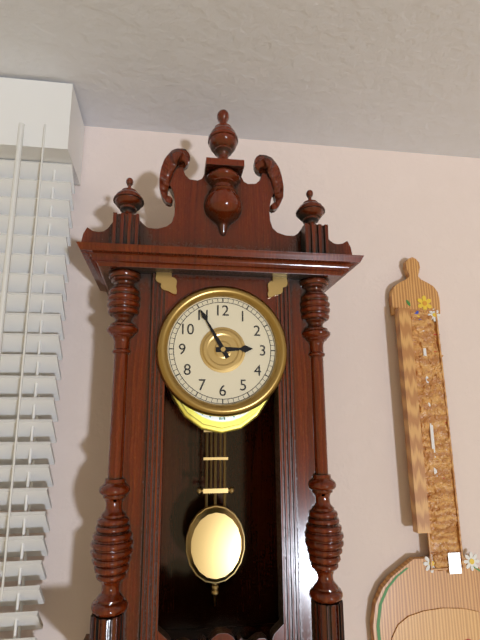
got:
h=2 m=55
